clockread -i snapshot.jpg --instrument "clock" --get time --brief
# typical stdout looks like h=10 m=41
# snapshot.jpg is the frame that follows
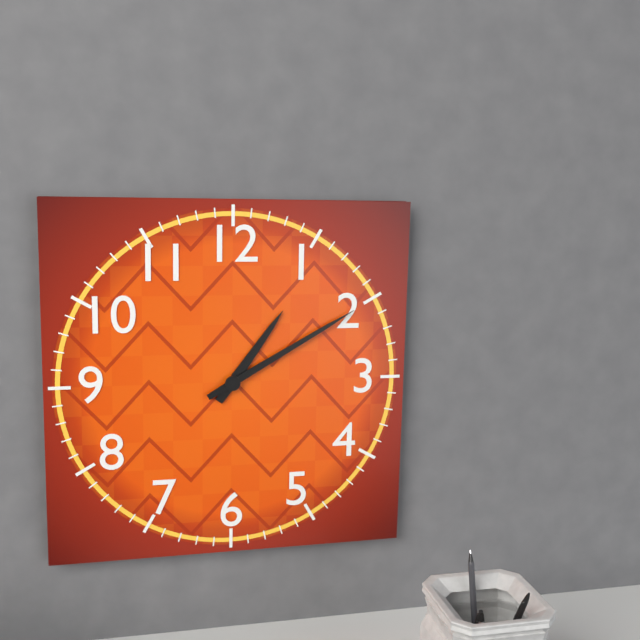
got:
h=1 m=10
